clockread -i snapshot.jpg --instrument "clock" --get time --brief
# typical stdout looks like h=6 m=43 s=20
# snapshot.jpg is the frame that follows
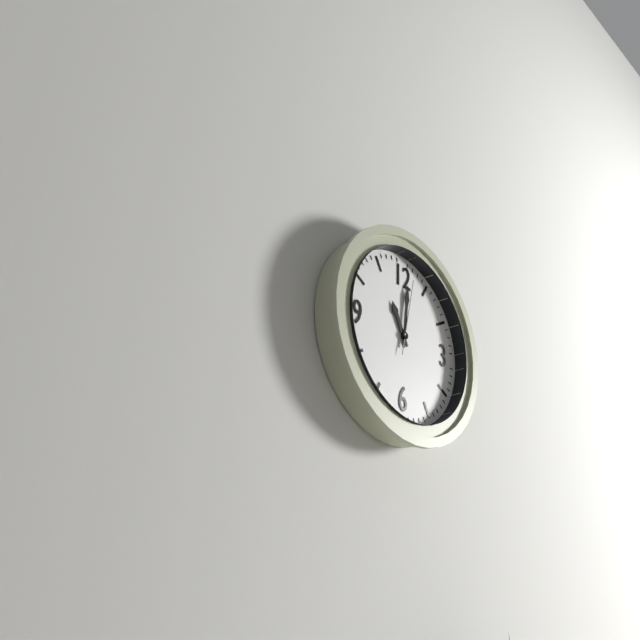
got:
h=11 m=1 s=2
